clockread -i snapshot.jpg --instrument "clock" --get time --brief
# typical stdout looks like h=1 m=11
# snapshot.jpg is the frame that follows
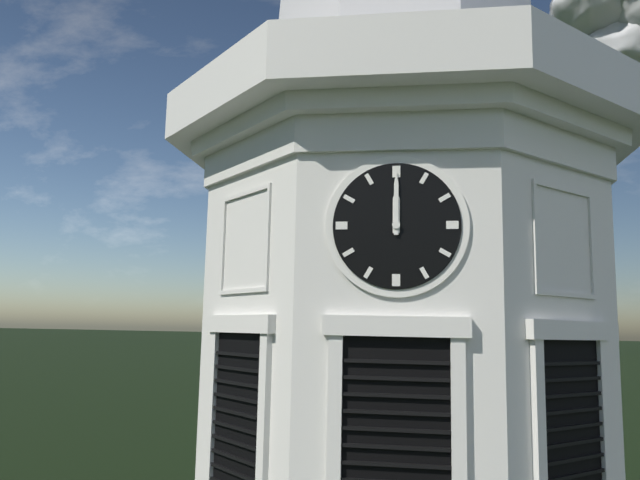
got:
h=12 m=0
